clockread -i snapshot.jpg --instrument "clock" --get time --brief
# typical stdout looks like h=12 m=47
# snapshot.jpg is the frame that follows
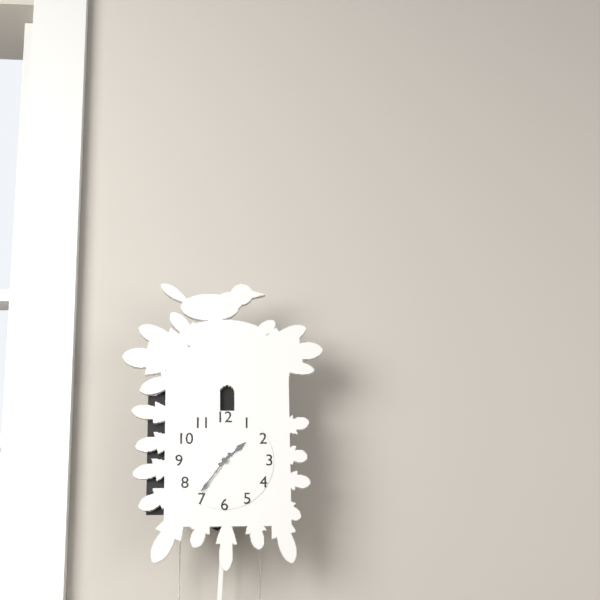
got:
h=1 m=36
